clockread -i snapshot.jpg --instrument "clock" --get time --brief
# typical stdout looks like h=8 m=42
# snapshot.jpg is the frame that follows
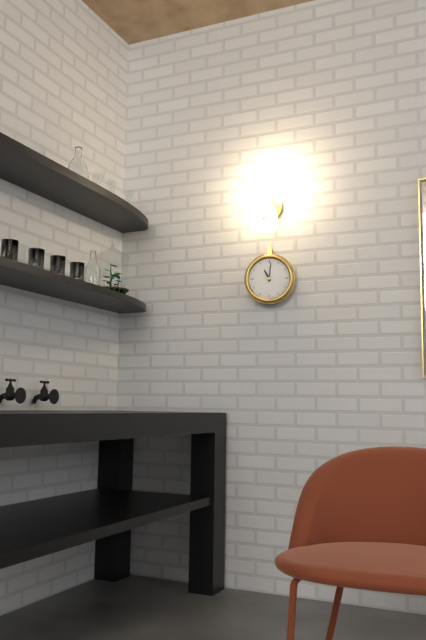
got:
h=11 m=1
